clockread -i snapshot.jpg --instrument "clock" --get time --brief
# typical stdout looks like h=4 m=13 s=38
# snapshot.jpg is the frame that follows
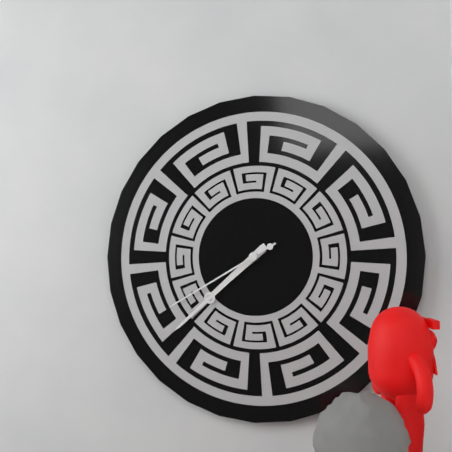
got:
h=7 m=38 s=40
